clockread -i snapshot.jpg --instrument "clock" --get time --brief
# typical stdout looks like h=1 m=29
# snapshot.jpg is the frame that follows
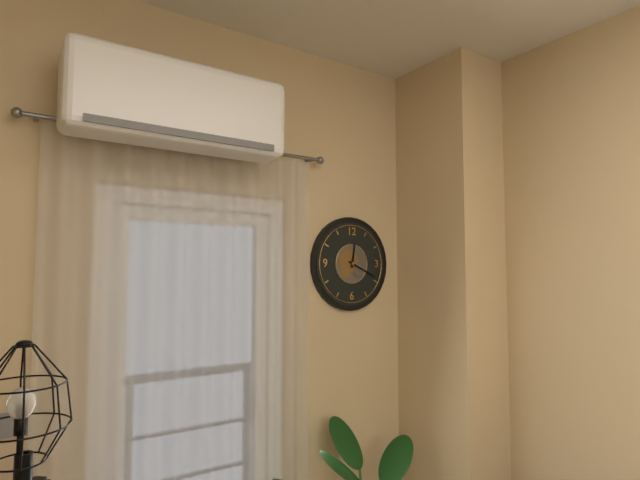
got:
h=12 m=19
